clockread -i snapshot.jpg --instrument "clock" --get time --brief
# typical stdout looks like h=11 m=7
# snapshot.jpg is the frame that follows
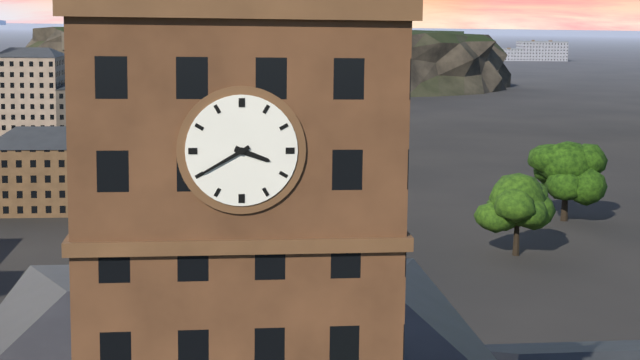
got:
h=3 m=40
